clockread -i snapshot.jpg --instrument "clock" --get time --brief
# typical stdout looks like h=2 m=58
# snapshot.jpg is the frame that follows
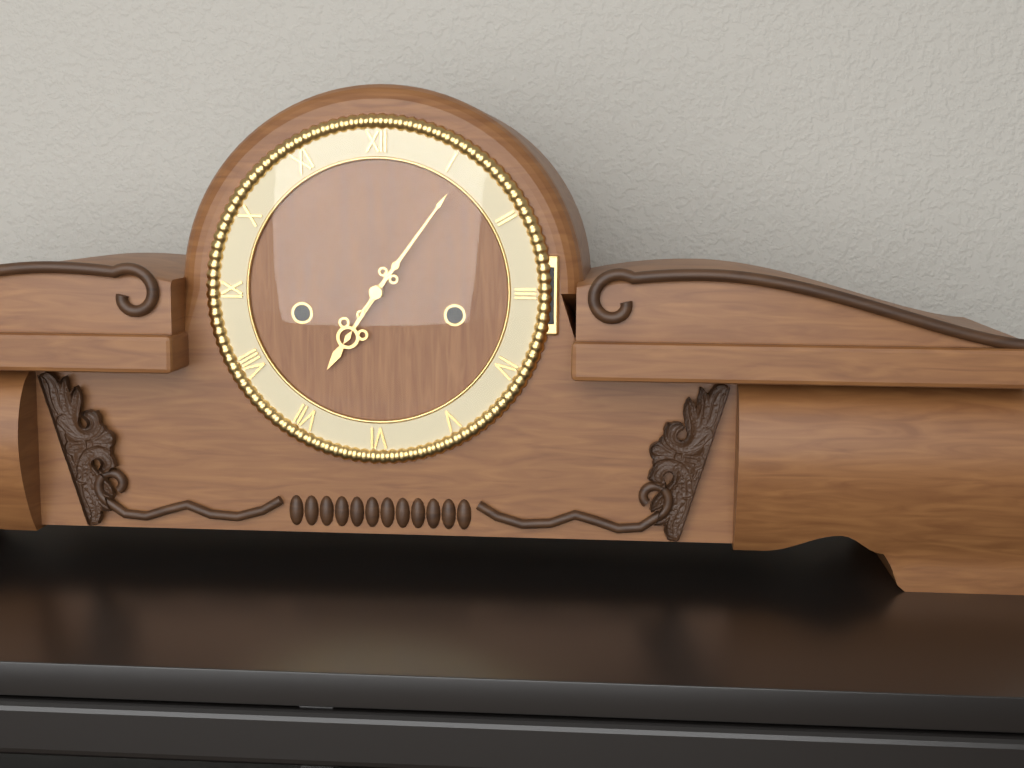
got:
h=7 m=6
